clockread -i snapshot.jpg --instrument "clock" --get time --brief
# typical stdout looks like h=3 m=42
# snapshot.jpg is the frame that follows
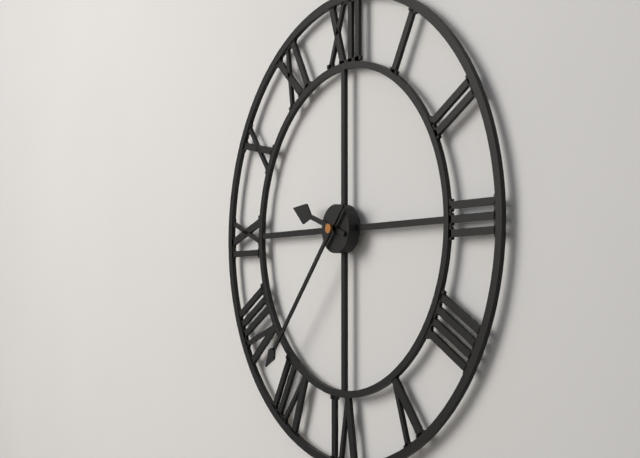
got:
h=9 m=37
